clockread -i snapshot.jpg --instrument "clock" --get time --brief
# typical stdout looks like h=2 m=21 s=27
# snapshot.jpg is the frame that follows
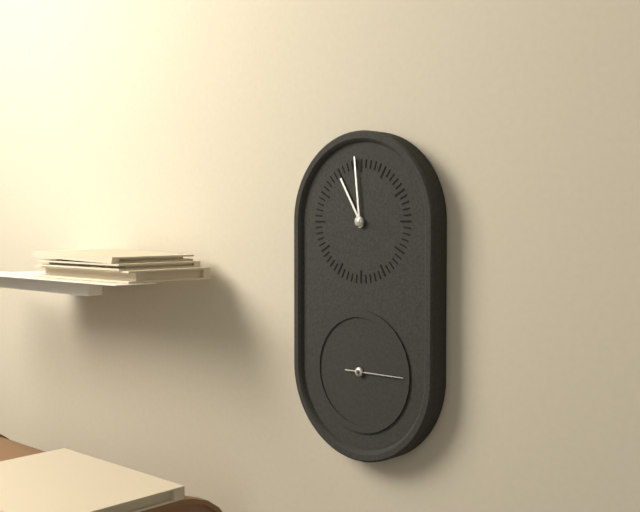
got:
h=10 m=59 s=15
